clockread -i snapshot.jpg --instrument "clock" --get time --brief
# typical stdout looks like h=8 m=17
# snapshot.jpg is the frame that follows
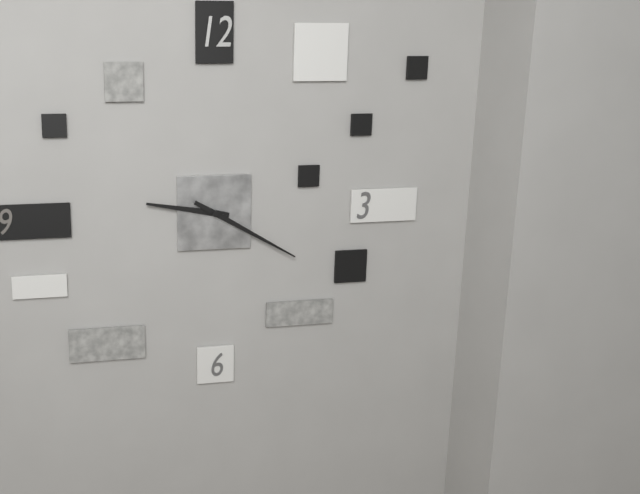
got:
h=9 m=20
